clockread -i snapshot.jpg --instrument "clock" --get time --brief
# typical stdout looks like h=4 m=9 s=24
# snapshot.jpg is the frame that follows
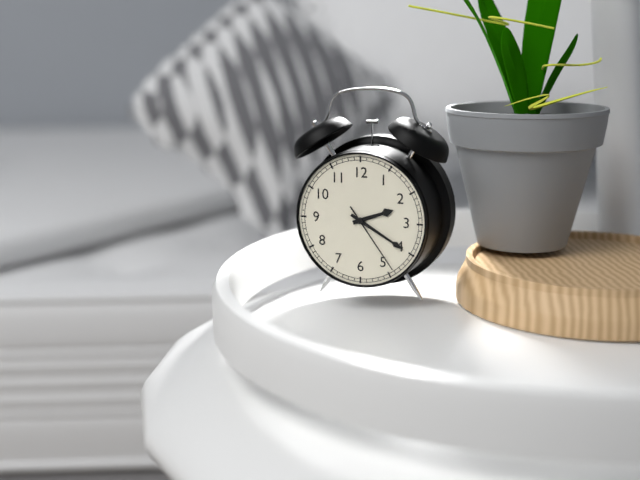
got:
h=2 m=20 s=24
